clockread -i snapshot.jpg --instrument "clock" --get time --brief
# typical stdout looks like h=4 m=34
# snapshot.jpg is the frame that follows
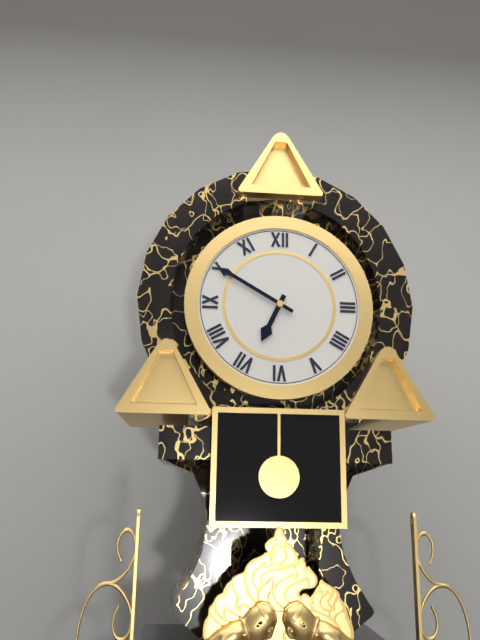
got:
h=6 m=50
